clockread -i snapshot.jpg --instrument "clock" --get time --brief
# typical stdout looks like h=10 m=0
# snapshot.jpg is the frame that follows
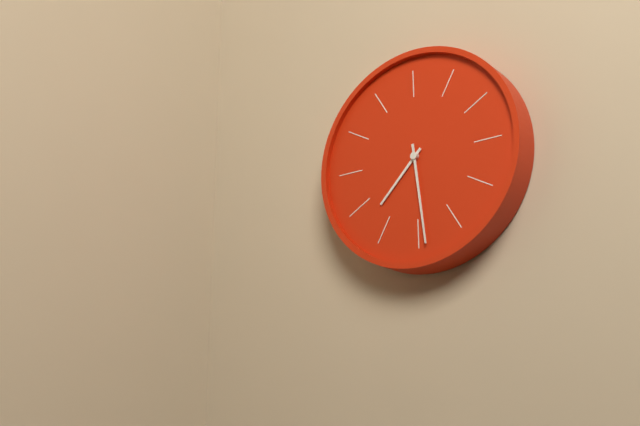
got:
h=7 m=29
